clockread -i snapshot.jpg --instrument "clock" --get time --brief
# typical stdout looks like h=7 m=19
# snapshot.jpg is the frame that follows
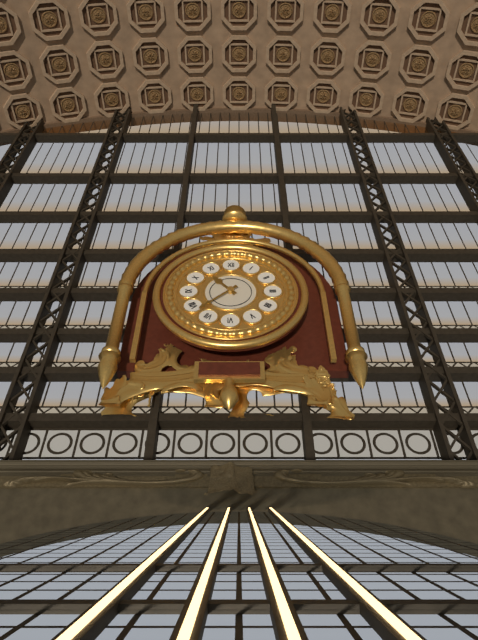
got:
h=10 m=38
